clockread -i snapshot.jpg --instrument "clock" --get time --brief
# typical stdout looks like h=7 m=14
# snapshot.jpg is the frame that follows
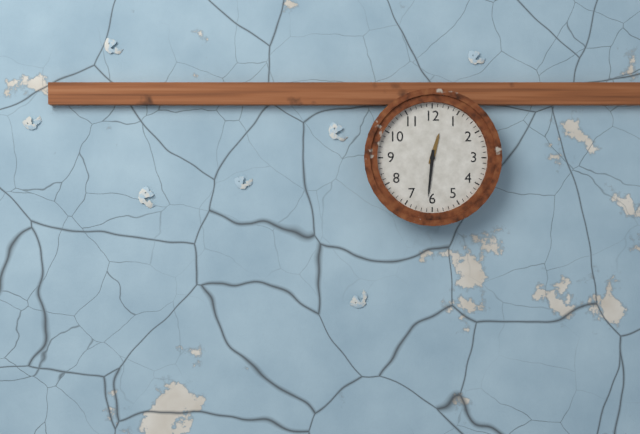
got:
h=12 m=31
